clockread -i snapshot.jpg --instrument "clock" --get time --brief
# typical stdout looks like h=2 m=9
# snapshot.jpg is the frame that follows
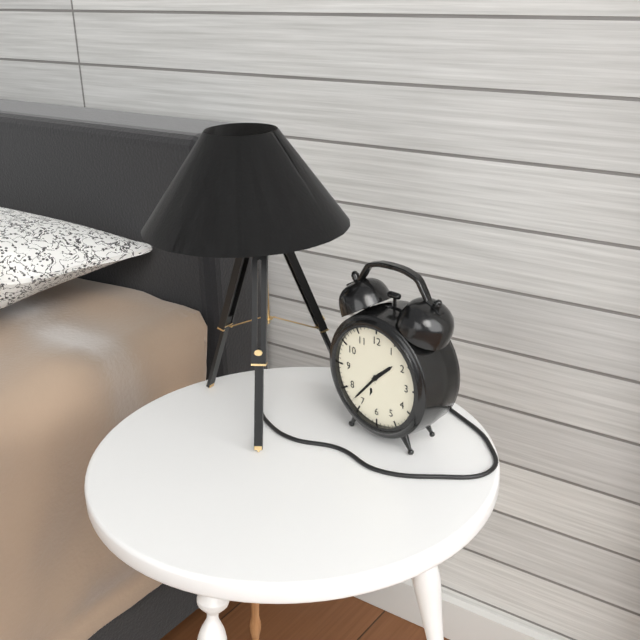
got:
h=1 m=37
